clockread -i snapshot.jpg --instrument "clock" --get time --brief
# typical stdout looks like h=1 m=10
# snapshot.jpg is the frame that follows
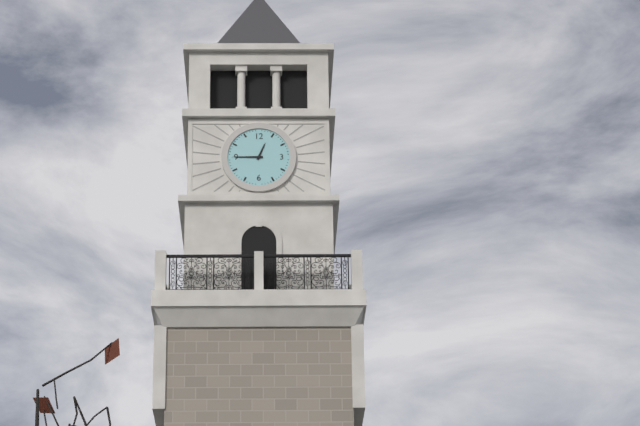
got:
h=12 m=45
